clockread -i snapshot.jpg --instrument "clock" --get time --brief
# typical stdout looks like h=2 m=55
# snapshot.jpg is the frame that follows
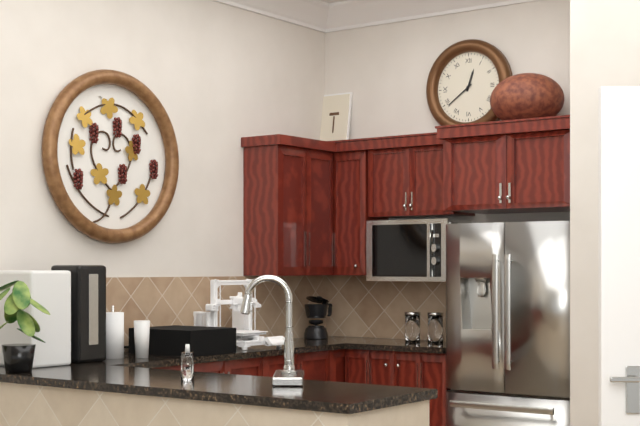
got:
h=12 m=39
